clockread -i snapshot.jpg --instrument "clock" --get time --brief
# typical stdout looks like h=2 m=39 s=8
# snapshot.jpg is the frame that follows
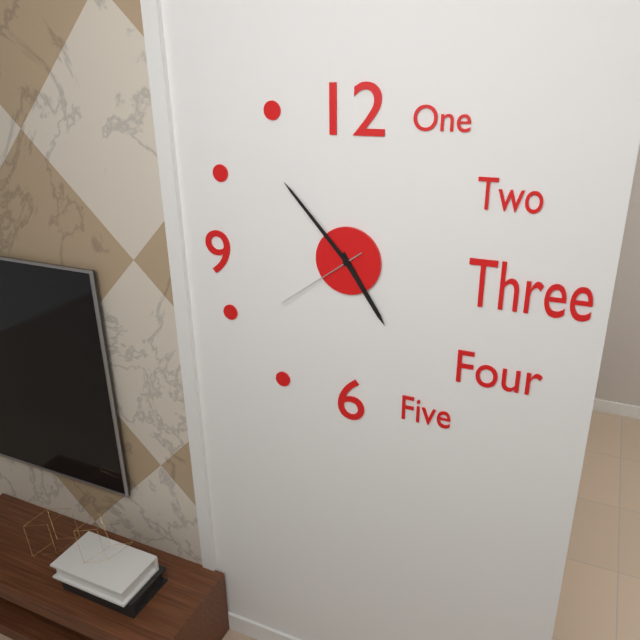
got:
h=4 m=53 s=39
